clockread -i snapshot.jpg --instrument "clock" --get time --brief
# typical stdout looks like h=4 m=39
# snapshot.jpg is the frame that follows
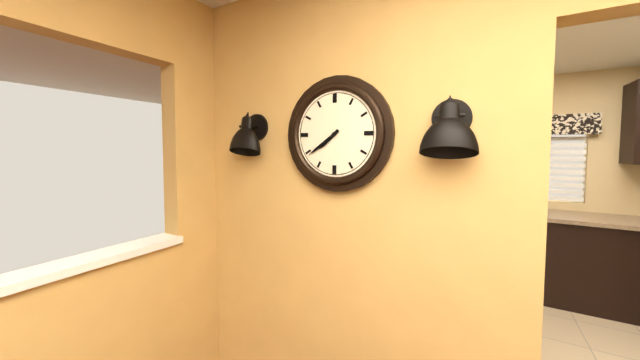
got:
h=7 m=39
